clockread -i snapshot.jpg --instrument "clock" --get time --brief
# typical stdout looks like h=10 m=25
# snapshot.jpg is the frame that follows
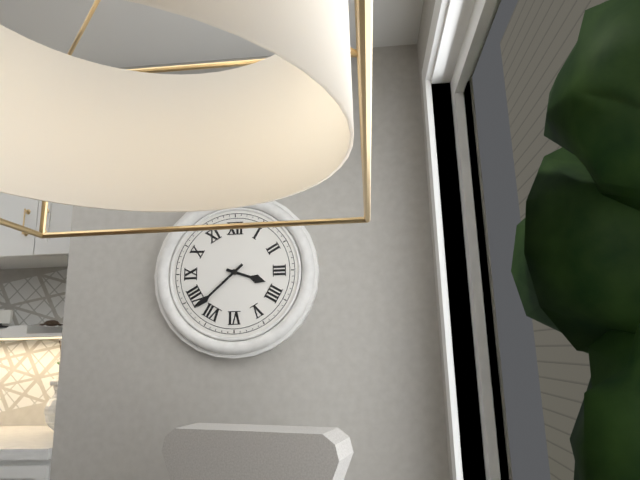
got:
h=3 m=38
